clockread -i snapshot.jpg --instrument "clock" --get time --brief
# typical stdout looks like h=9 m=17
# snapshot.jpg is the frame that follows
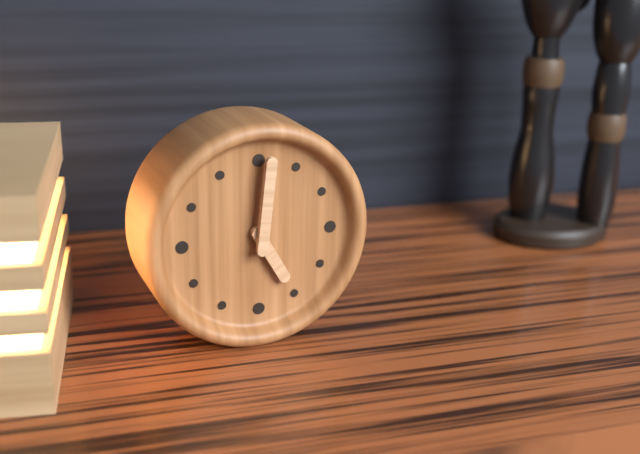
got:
h=5 m=1
